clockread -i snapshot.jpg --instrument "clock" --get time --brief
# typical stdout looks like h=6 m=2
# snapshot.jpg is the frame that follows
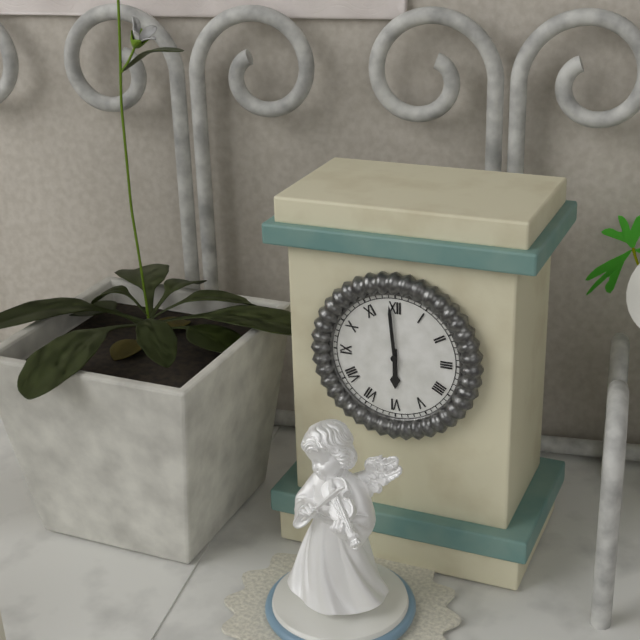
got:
h=5 m=59
